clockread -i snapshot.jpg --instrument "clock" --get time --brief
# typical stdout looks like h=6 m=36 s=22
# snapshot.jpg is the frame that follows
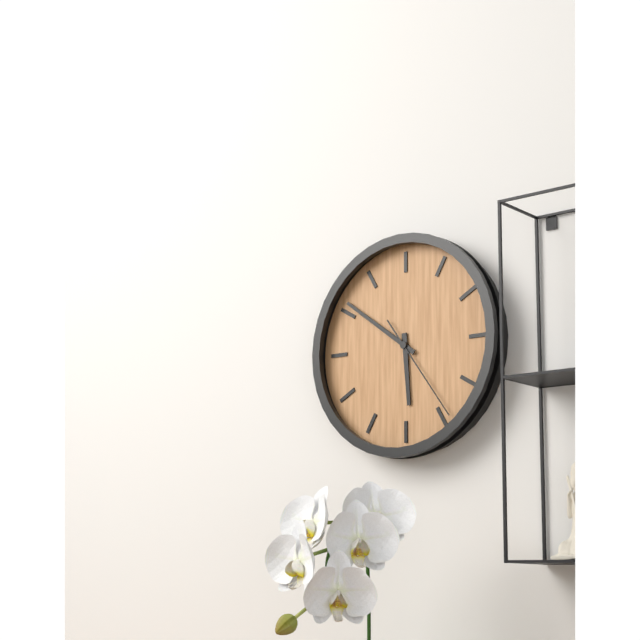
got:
h=5 m=51 s=24
